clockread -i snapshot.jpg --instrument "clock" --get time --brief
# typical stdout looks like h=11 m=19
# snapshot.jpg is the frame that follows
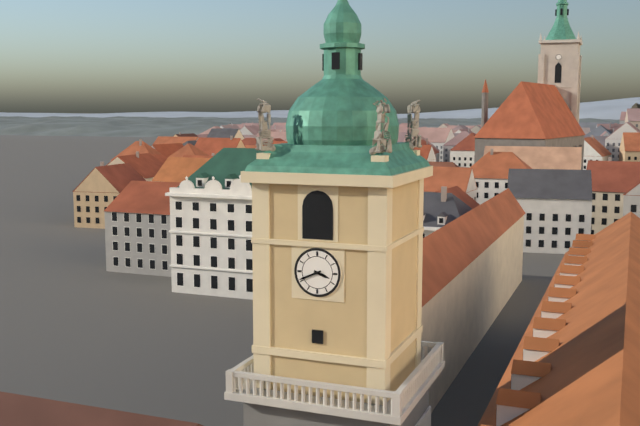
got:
h=3 m=41
